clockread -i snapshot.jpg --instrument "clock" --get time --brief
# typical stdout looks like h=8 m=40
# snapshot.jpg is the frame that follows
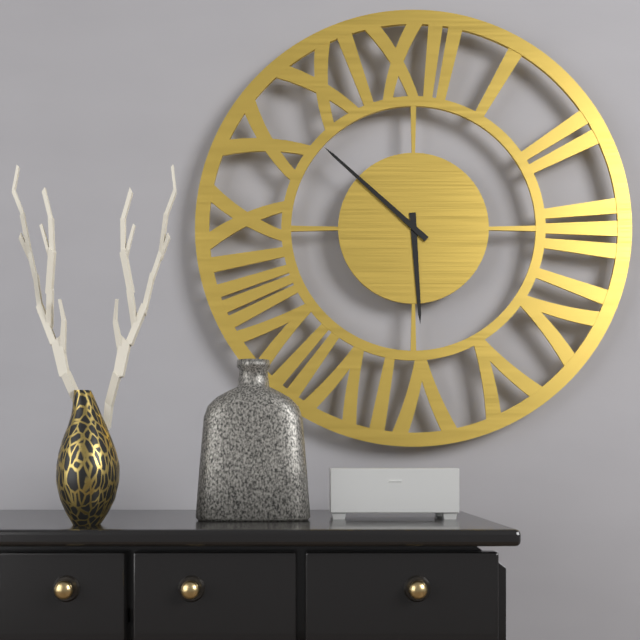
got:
h=5 m=52
